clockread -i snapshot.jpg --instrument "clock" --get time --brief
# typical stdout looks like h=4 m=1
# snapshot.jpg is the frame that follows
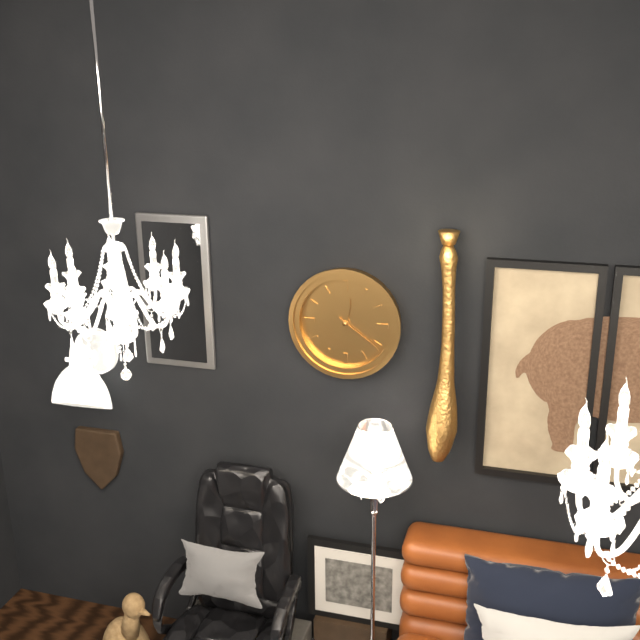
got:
h=12 m=21
